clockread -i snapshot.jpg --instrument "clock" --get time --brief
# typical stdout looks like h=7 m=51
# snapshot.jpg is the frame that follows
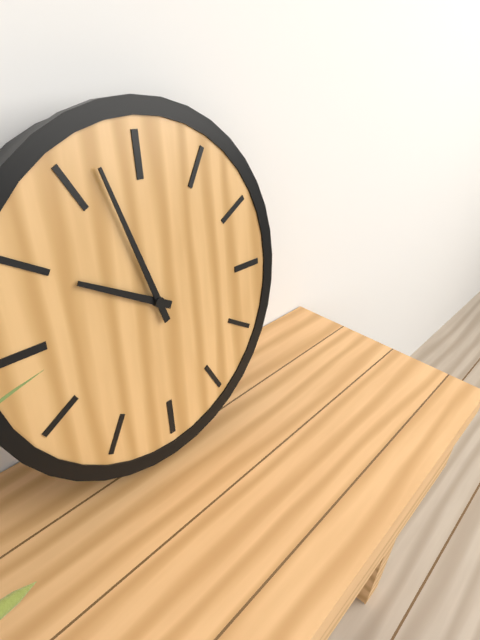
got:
h=9 m=57
